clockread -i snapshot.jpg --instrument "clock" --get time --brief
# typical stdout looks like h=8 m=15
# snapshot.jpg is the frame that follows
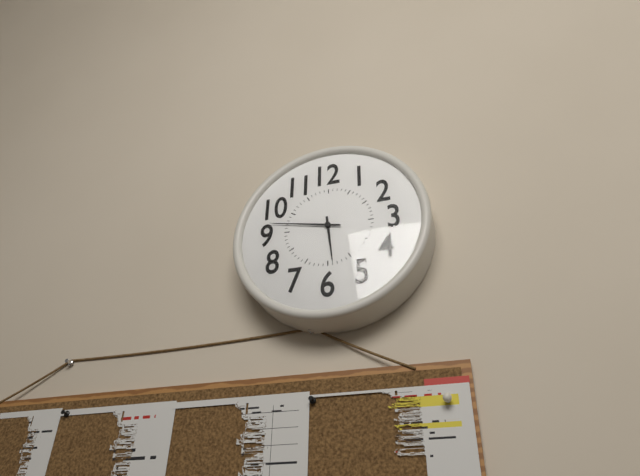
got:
h=5 m=47
